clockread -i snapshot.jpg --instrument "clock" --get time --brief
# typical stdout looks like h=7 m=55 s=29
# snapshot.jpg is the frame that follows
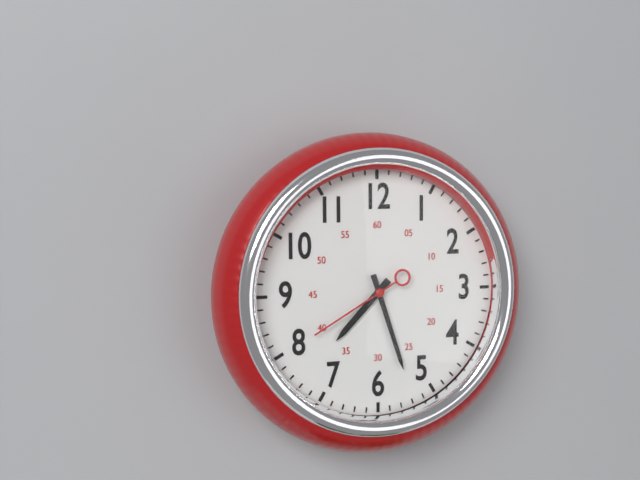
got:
h=7 m=27 s=40
